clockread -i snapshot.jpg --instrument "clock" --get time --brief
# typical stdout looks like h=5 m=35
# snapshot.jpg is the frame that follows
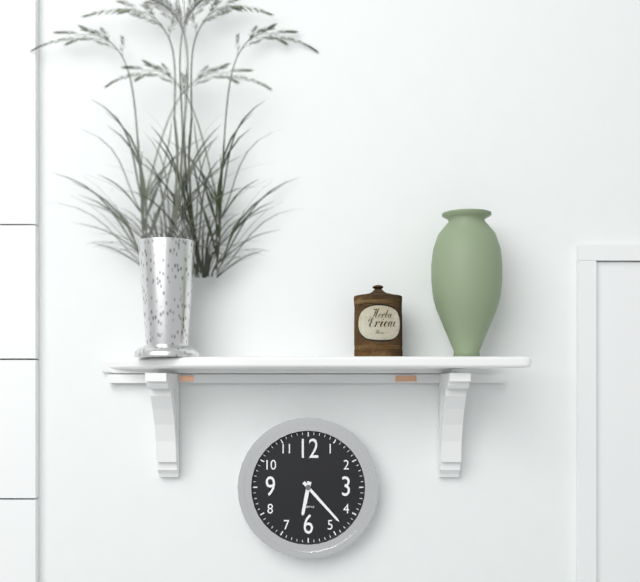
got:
h=6 m=23
